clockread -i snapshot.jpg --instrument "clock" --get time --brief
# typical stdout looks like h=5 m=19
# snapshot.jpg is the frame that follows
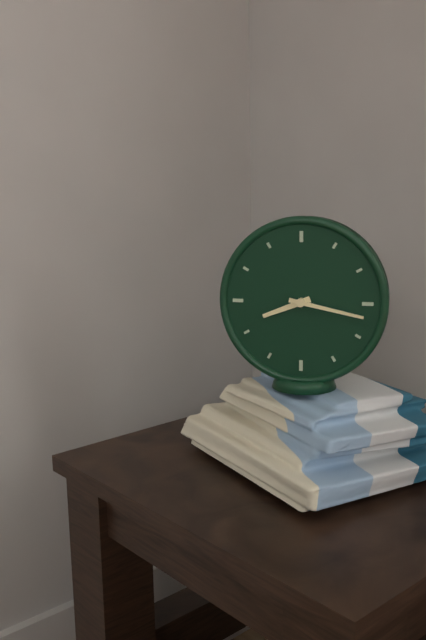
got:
h=8 m=17
